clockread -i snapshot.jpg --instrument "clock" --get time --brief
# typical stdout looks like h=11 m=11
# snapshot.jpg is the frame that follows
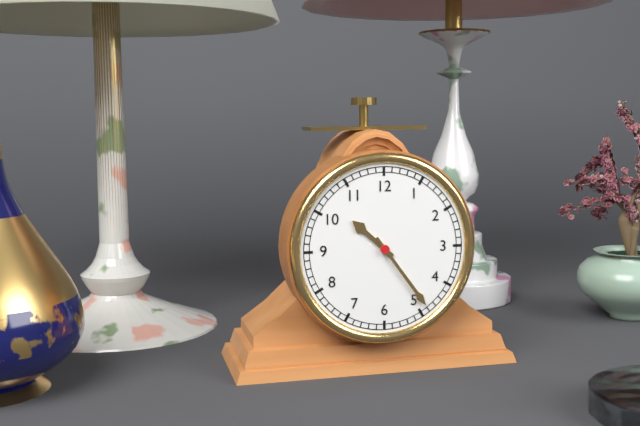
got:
h=10 m=24
